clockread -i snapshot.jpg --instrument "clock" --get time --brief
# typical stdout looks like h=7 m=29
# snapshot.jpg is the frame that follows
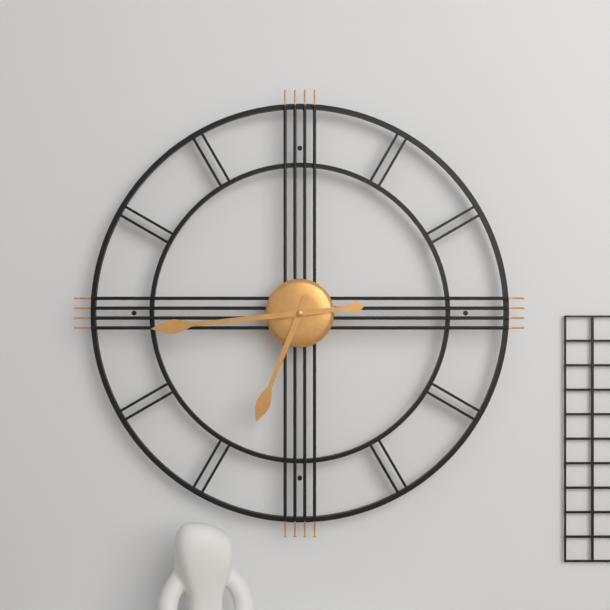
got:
h=6 m=44
